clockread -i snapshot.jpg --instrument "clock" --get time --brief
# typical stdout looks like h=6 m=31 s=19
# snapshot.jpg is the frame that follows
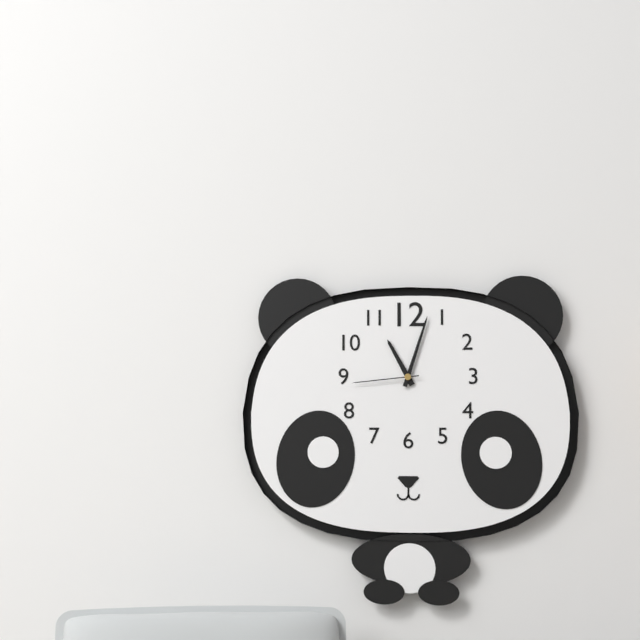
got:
h=11 m=3 s=44
